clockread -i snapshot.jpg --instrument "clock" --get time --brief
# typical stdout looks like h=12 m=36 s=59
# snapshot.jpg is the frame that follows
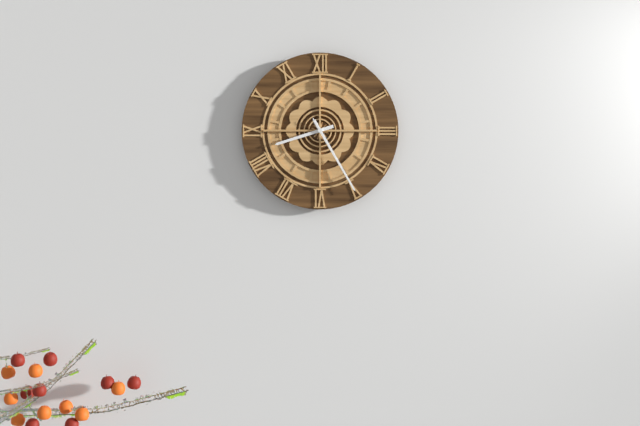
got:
h=8 m=25 s=25
